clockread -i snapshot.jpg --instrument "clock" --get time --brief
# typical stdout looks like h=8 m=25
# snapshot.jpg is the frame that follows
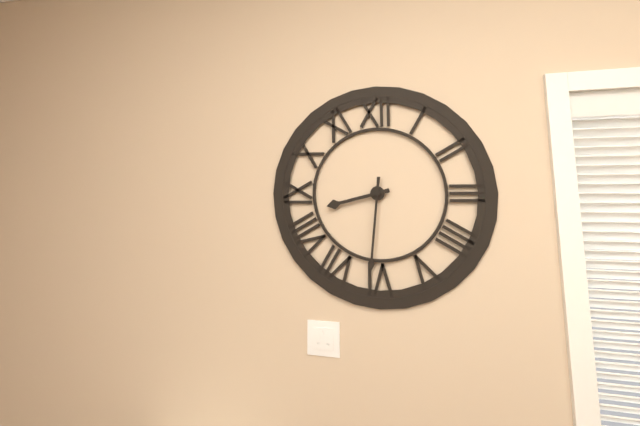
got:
h=8 m=31
